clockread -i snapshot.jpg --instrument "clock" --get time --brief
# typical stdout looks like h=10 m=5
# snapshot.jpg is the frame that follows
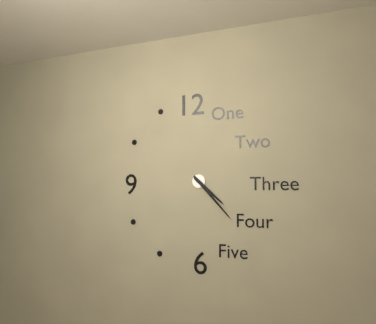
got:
h=4 m=23
